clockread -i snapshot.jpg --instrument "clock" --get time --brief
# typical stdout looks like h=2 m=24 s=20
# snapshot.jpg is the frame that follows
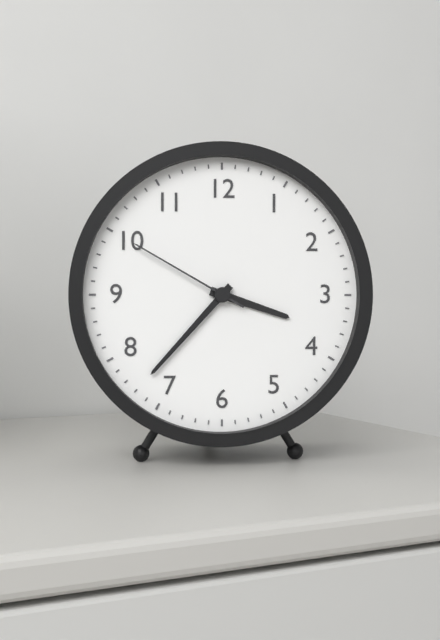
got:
h=3 m=37 s=50
